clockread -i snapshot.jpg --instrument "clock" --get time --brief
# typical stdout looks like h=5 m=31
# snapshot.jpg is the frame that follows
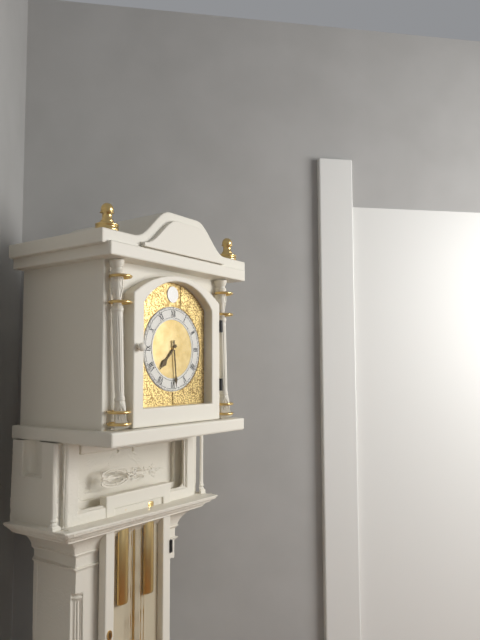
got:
h=7 m=29
